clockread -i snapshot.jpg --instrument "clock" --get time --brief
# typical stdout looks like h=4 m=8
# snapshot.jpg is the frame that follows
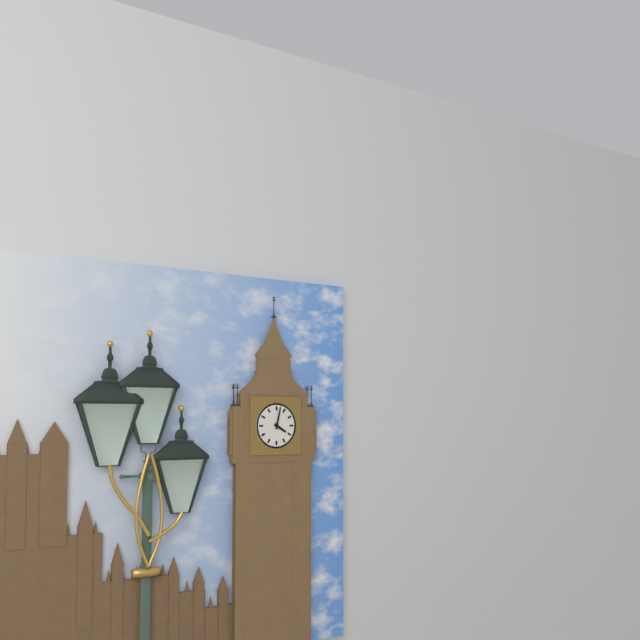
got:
h=4 m=2
